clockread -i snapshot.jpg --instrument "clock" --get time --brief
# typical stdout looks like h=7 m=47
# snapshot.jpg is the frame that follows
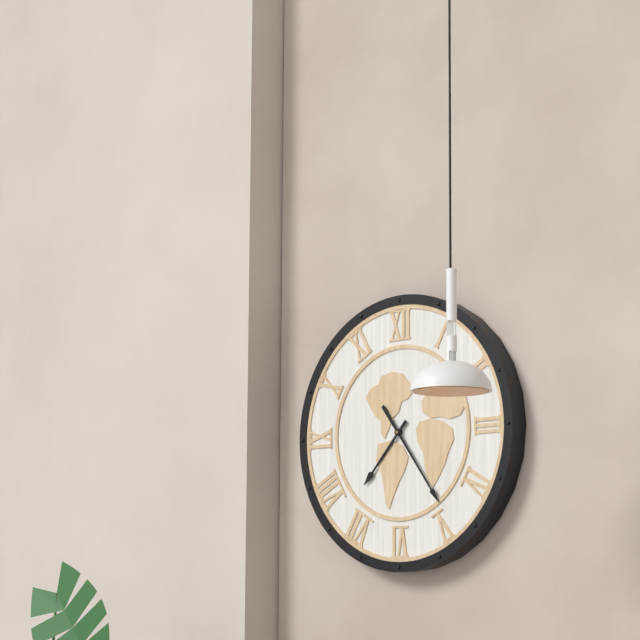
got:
h=7 m=24
